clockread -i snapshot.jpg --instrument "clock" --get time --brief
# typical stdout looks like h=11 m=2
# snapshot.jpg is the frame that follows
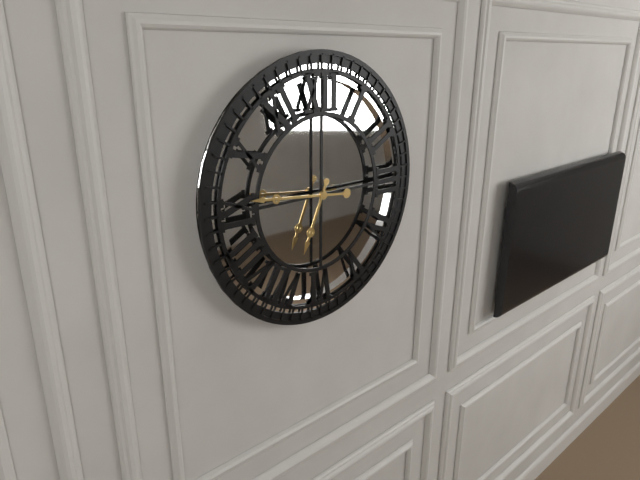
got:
h=6 m=46
